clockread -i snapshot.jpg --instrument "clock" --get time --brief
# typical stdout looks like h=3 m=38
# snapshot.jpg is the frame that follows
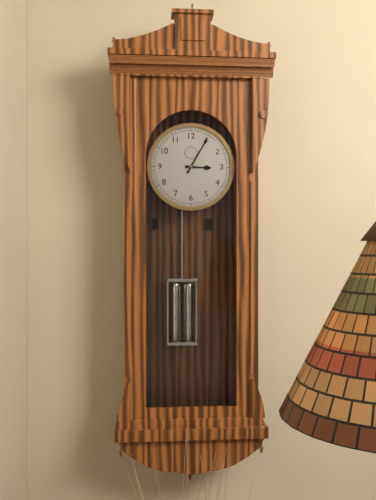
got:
h=3 m=5
